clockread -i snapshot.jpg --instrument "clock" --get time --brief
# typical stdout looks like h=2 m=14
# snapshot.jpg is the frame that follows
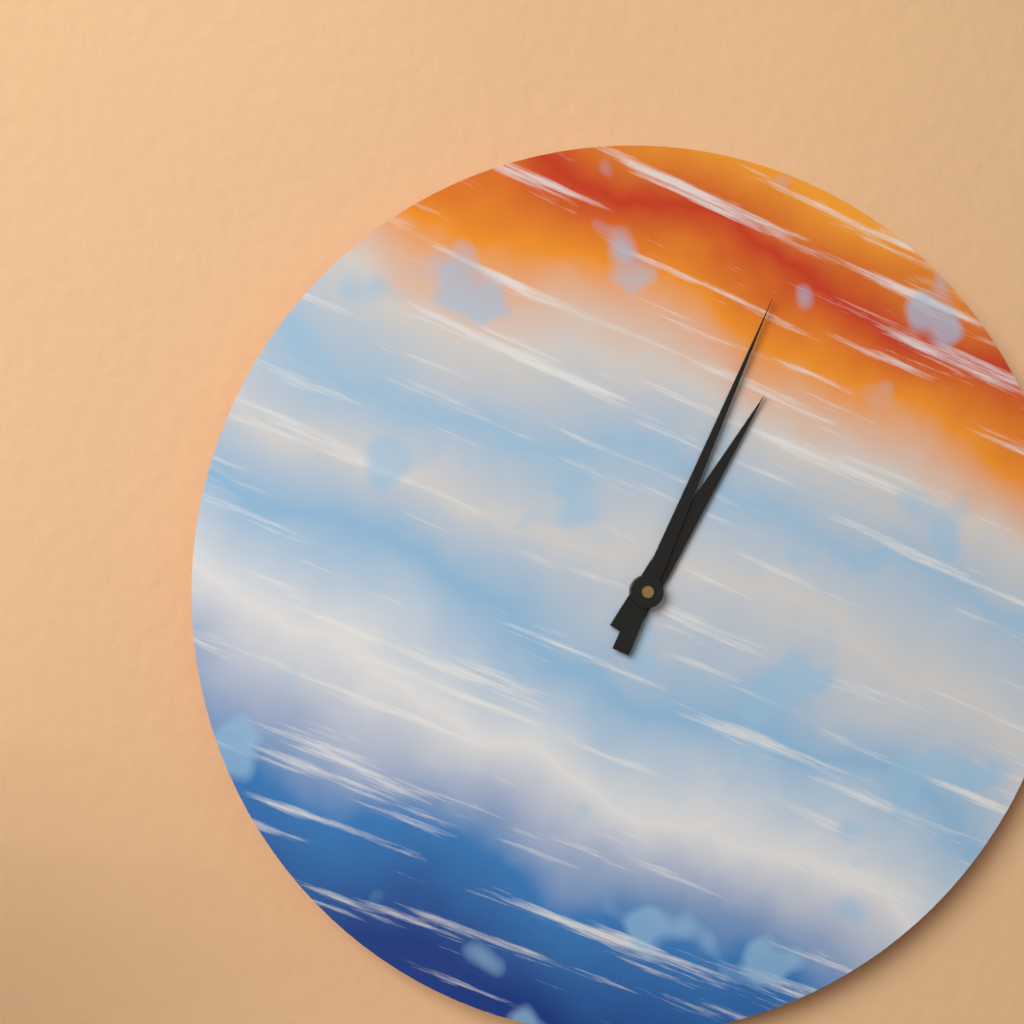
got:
h=1 m=4
